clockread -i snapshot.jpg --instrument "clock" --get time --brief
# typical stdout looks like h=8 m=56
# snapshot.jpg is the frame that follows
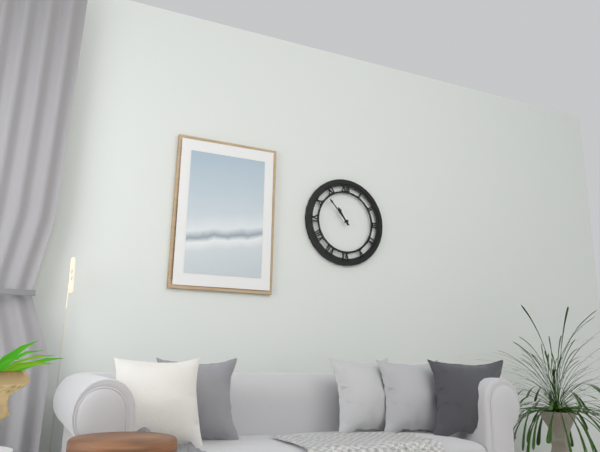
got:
h=10 m=53
